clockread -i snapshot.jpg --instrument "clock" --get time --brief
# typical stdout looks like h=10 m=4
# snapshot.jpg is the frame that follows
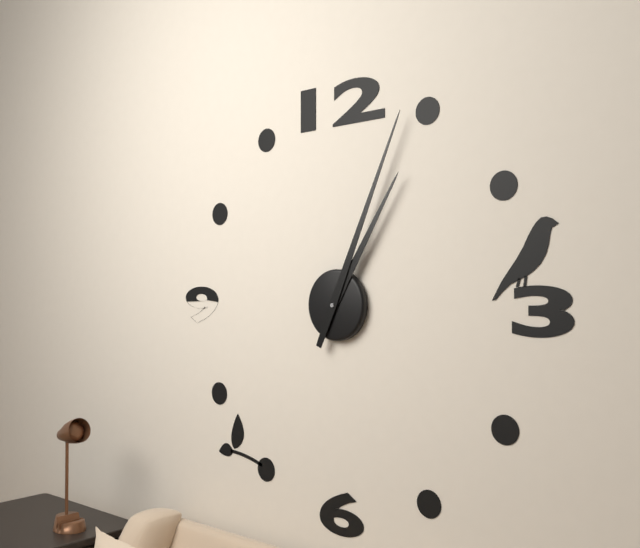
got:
h=1 m=4
